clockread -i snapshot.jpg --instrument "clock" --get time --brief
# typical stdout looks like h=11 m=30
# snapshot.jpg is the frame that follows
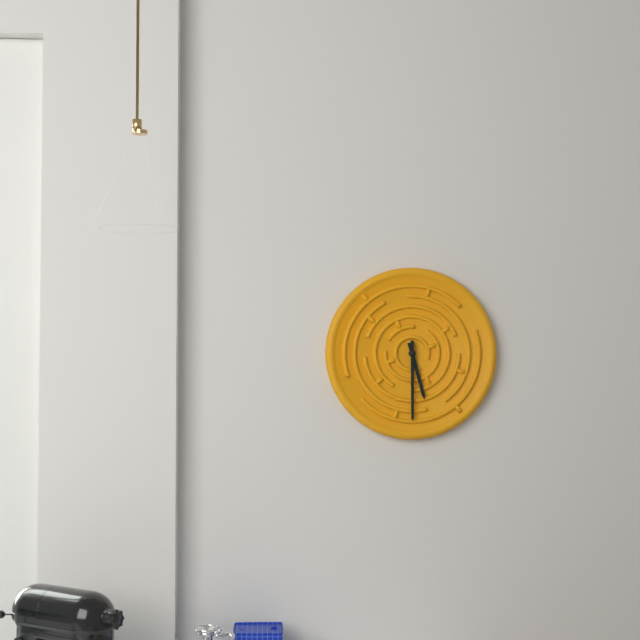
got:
h=5 m=30
